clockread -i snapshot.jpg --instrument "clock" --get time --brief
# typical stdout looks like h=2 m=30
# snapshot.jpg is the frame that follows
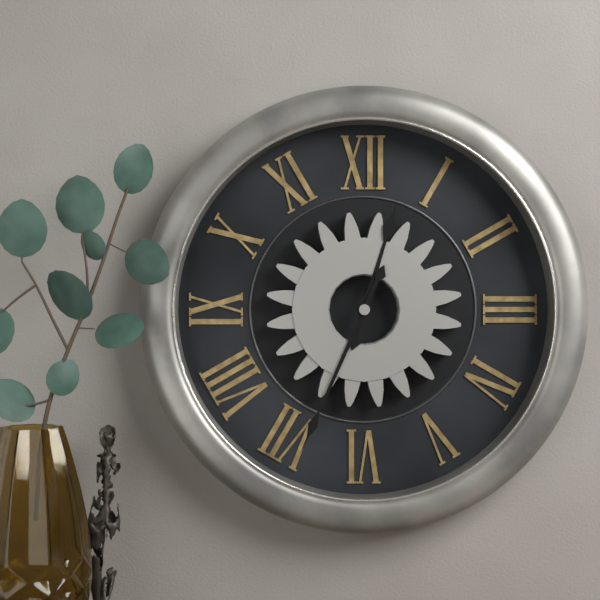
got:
h=12 m=34
